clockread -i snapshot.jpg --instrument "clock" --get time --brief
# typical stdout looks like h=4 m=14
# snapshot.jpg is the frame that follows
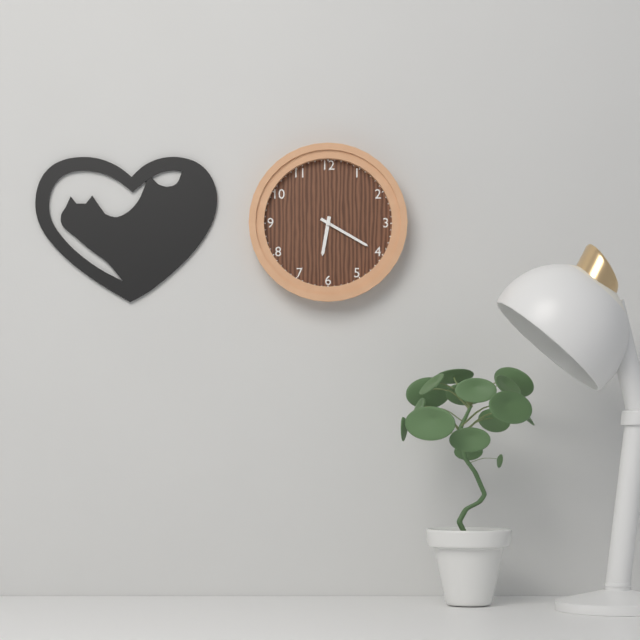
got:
h=6 m=20
